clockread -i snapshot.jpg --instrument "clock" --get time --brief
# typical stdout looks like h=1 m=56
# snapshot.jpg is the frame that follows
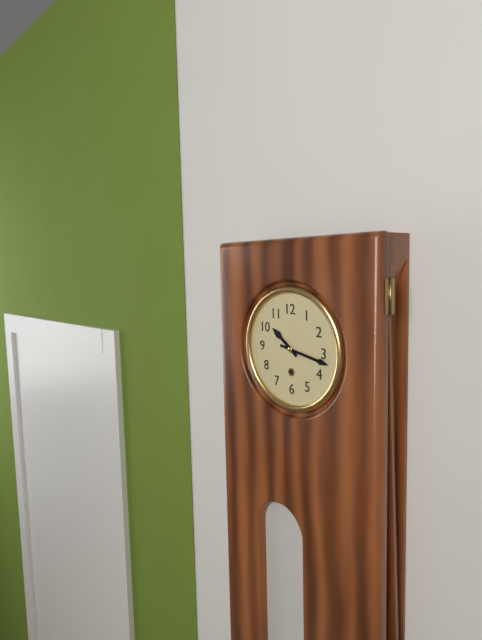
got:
h=10 m=17
